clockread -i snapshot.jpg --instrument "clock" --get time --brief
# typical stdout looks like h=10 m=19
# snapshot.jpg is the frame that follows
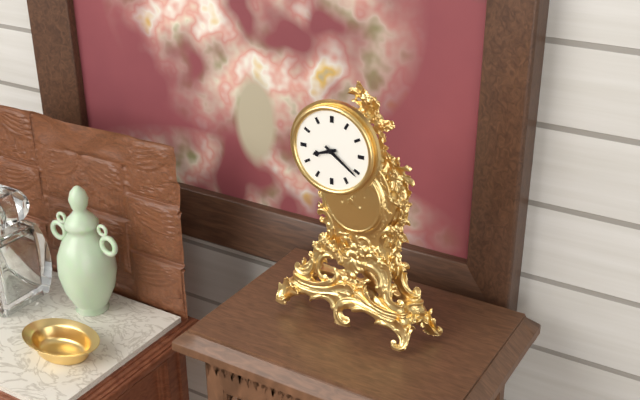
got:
h=8 m=21
